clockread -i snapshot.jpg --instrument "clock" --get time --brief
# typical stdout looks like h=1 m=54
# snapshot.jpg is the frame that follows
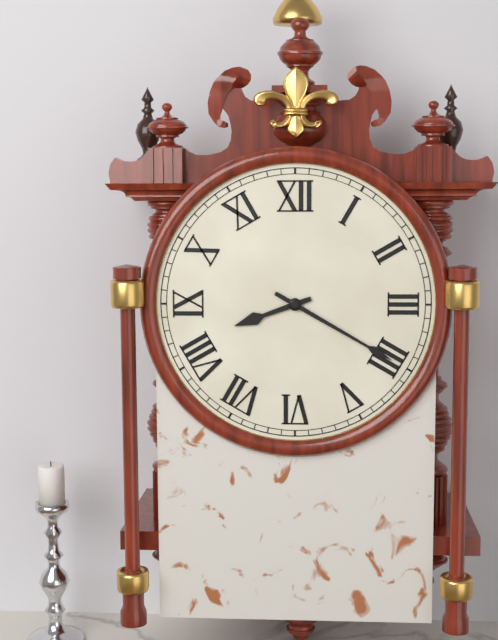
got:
h=8 m=20
